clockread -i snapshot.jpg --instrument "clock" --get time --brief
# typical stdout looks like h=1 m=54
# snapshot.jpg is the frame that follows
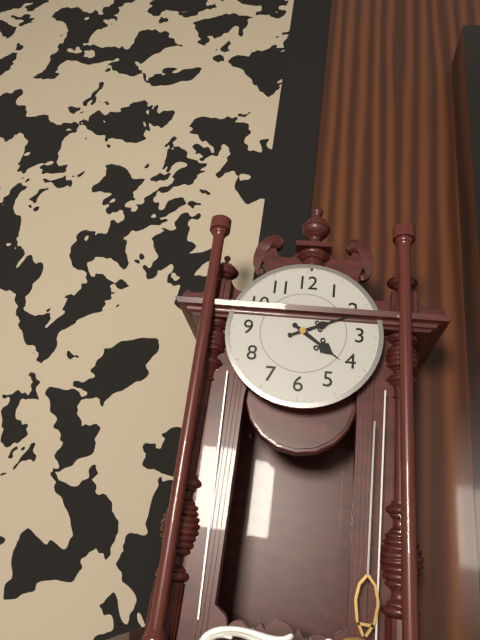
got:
h=4 m=11
